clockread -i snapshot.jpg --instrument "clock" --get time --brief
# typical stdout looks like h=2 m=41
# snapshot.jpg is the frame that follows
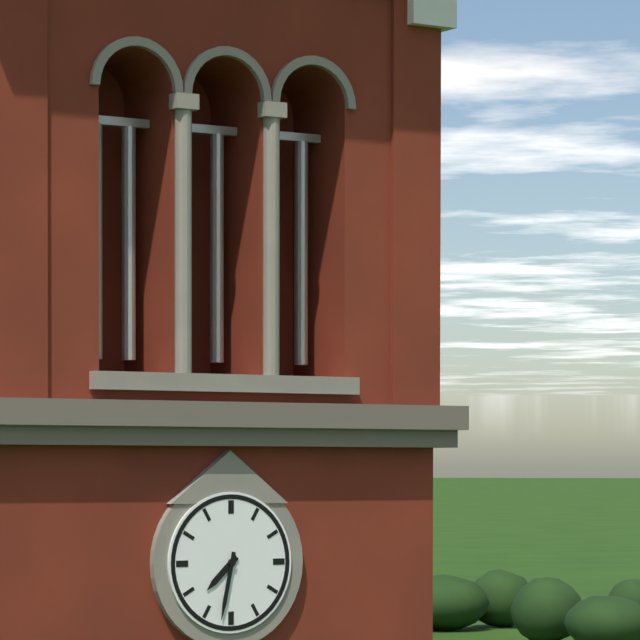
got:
h=7 m=32
